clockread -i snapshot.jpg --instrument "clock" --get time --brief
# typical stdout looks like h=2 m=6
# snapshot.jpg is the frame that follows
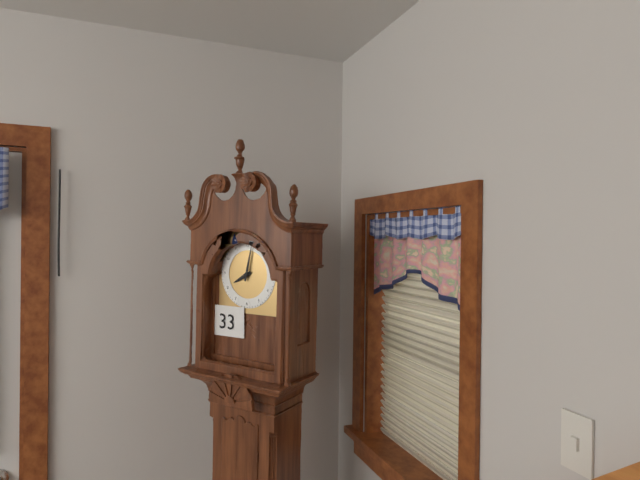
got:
h=8 m=2
